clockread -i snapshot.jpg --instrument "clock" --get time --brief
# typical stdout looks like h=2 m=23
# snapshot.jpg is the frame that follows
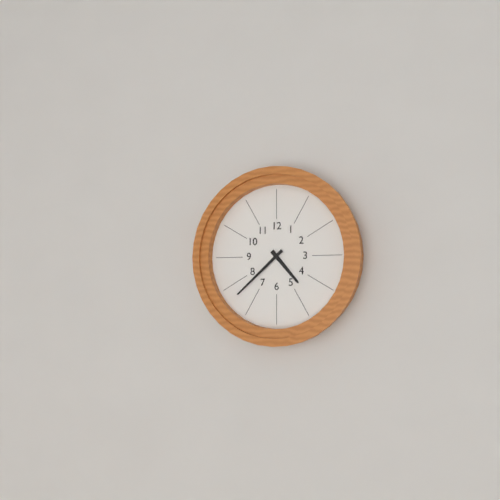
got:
h=4 m=38
